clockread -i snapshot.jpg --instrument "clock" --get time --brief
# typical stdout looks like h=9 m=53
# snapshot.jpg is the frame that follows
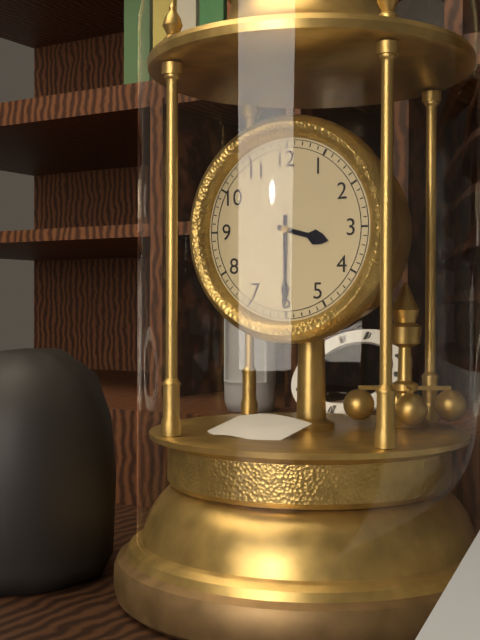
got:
h=3 m=30
